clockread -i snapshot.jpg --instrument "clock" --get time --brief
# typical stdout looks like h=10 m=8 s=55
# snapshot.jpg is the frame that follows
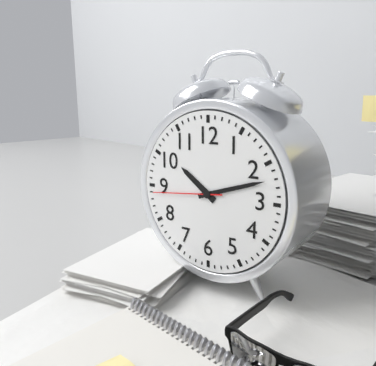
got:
h=10 m=12 s=44
